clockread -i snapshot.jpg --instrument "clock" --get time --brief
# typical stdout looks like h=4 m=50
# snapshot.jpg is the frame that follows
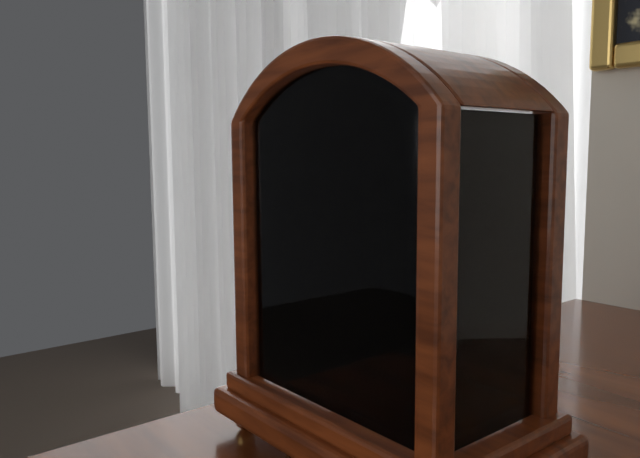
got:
h=1 m=32
